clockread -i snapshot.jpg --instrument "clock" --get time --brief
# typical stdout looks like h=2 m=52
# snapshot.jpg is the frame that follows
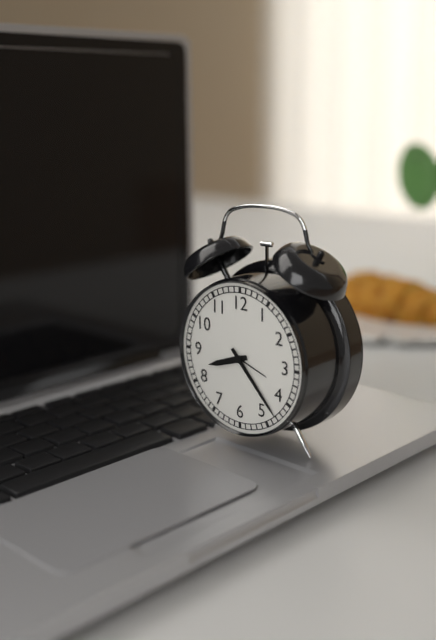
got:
h=8 m=23
